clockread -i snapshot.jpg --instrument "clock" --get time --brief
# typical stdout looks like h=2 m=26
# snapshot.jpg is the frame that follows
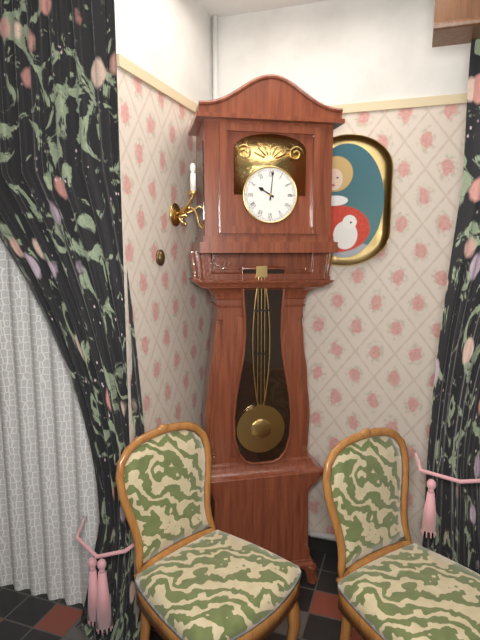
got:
h=10 m=1
